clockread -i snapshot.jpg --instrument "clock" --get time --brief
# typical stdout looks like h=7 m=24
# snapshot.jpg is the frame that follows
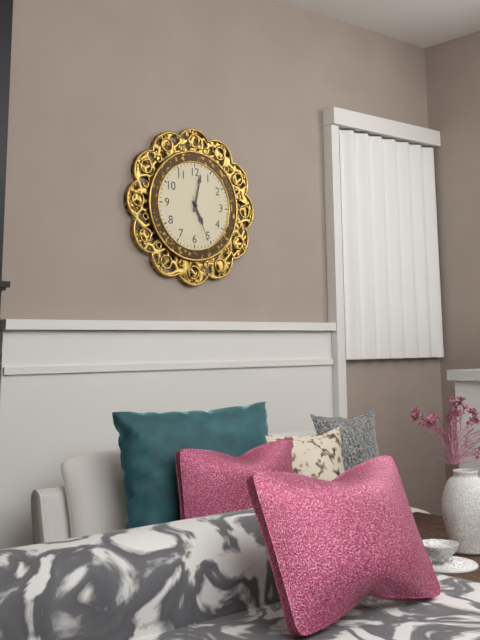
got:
h=5 m=2
